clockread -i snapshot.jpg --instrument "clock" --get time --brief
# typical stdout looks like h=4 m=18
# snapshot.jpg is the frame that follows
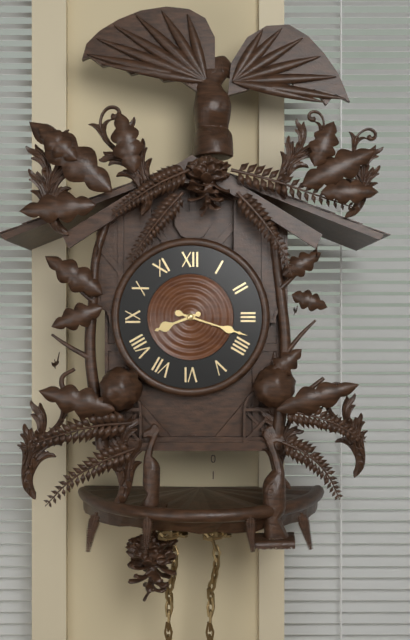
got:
h=8 m=18
